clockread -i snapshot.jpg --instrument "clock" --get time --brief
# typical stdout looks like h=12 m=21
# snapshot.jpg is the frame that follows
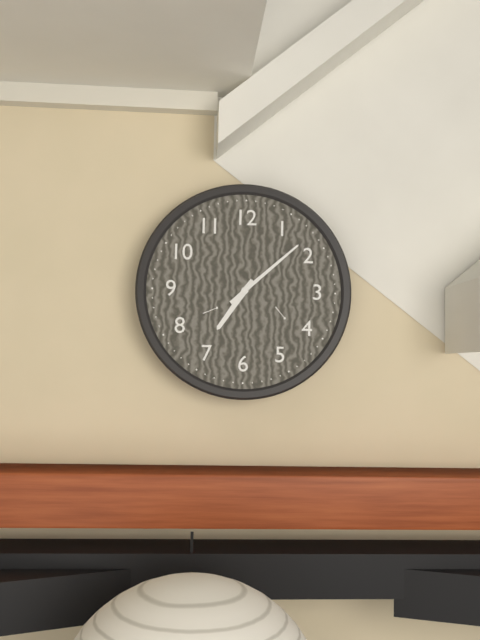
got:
h=7 m=8
